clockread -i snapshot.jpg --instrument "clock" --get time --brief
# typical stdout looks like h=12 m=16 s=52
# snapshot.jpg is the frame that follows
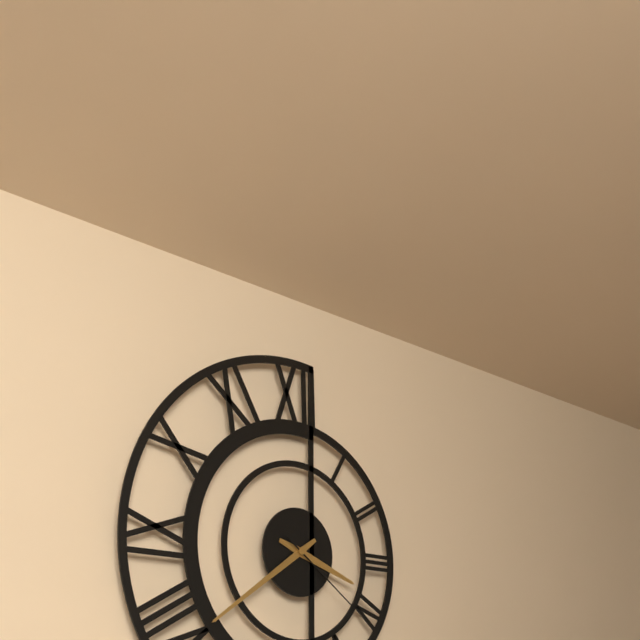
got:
h=3 m=39 s=21
